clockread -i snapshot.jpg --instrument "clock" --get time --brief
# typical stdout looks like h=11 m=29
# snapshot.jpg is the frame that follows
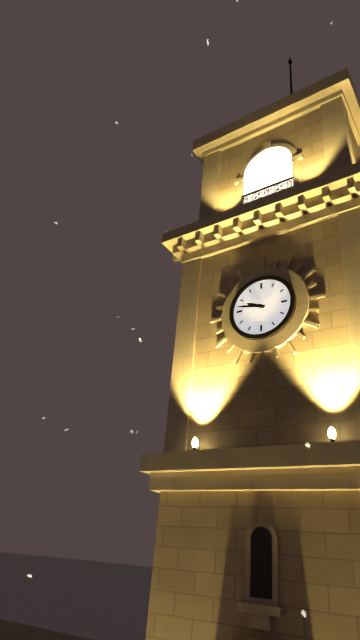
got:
h=9 m=47
